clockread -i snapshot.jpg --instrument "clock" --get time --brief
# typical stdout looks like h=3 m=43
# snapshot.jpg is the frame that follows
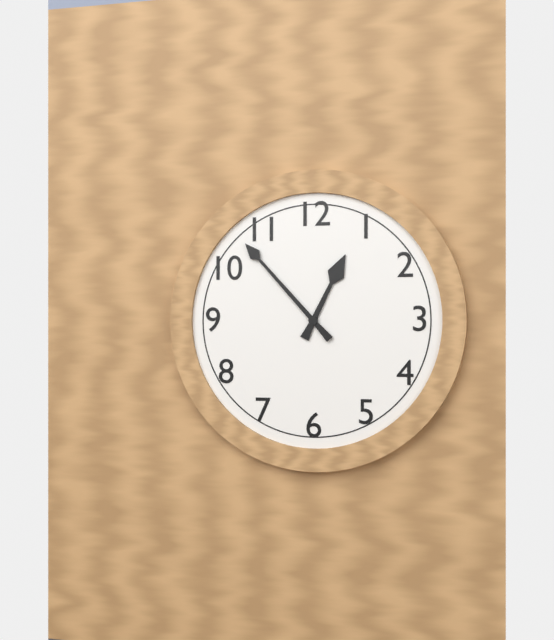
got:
h=12 m=53
